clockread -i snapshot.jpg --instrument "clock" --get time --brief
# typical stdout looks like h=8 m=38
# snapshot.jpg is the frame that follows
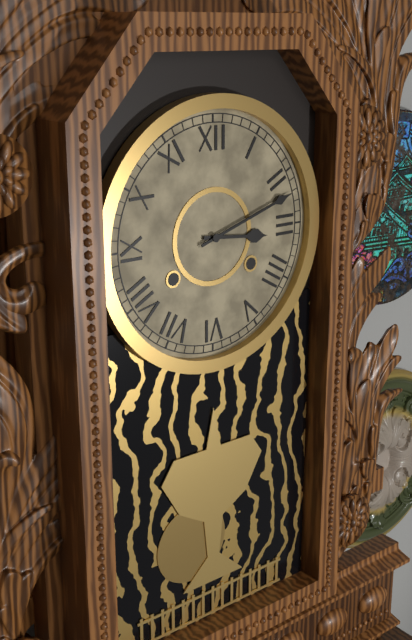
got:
h=3 m=12
